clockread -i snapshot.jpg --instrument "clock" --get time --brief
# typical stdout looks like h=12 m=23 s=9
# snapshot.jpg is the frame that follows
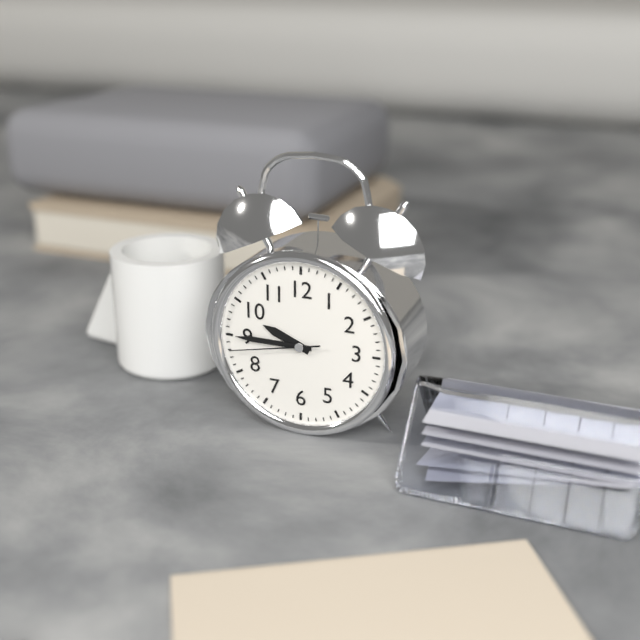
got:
h=9 m=45 s=43
